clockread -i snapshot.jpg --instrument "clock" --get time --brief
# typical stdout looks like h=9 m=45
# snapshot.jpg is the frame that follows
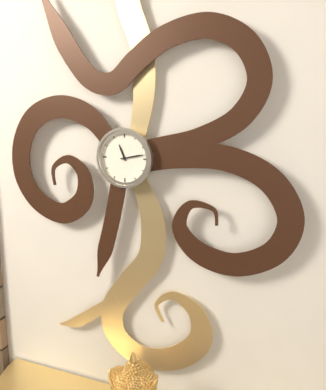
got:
h=11 m=13
